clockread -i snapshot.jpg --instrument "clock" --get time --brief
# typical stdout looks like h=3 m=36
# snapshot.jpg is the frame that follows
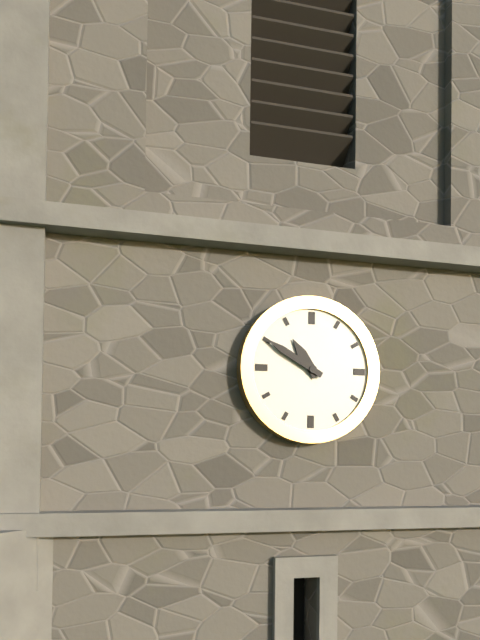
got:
h=10 m=50
